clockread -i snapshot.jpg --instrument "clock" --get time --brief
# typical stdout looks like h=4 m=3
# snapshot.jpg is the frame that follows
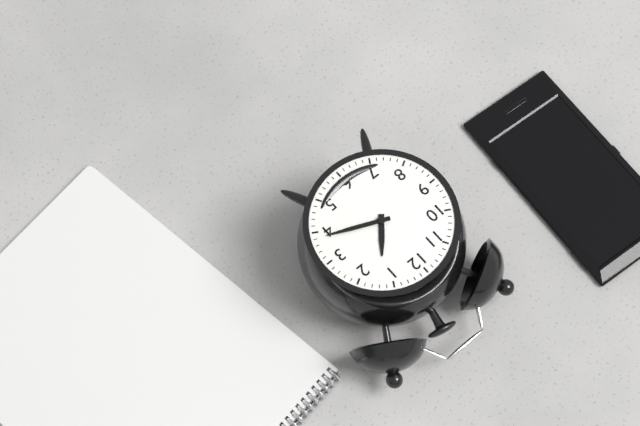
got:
h=1 m=19
